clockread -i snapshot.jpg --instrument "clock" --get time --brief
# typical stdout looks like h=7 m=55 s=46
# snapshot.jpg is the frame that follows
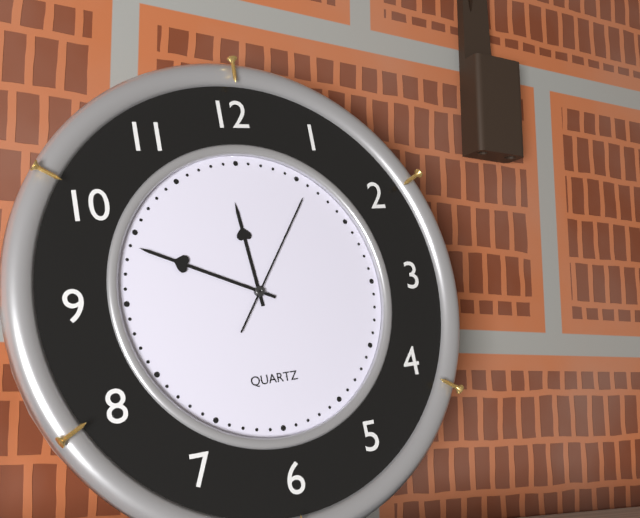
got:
h=11 m=49 s=6
